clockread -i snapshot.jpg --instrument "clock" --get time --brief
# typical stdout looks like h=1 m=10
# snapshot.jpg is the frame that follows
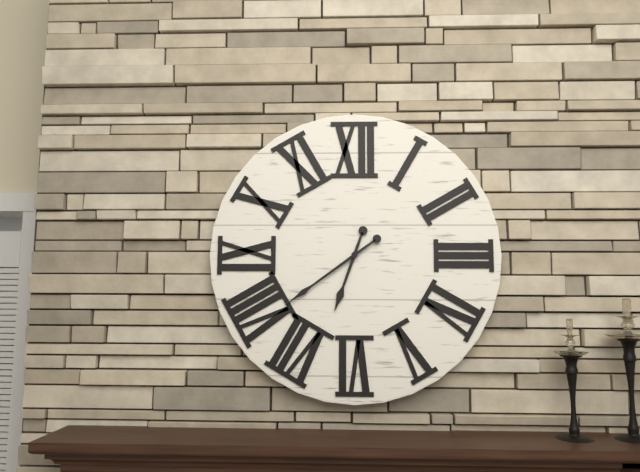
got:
h=6 m=39
